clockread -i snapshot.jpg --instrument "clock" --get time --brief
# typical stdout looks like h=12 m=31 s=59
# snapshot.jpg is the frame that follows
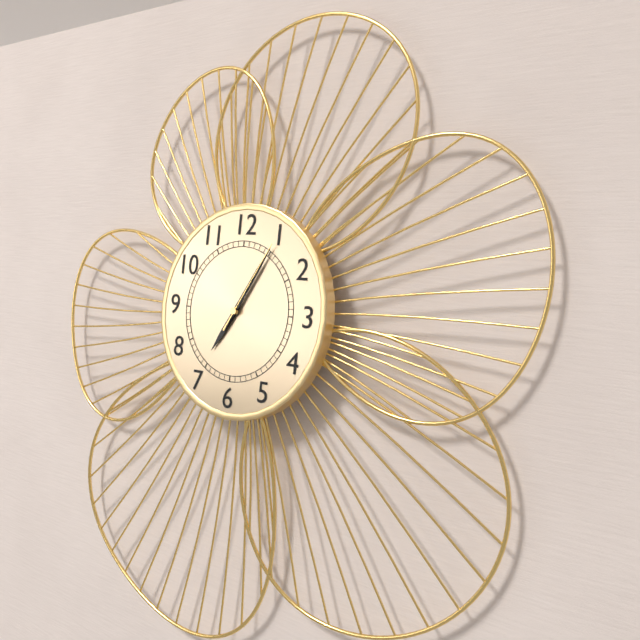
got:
h=7 m=5 s=5
